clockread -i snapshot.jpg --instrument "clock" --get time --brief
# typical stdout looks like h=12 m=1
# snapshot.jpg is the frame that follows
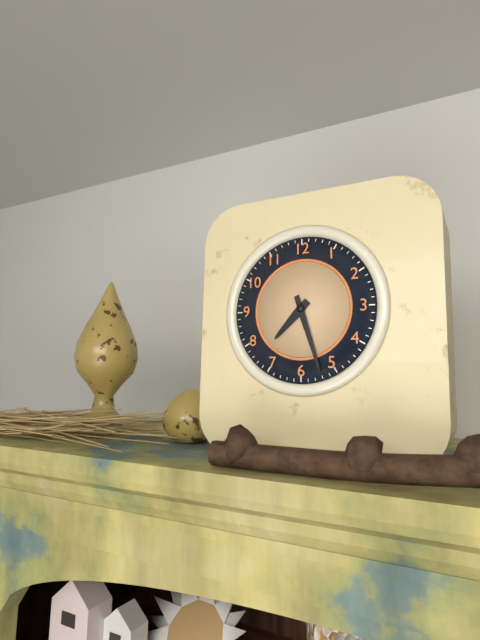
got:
h=7 m=27
